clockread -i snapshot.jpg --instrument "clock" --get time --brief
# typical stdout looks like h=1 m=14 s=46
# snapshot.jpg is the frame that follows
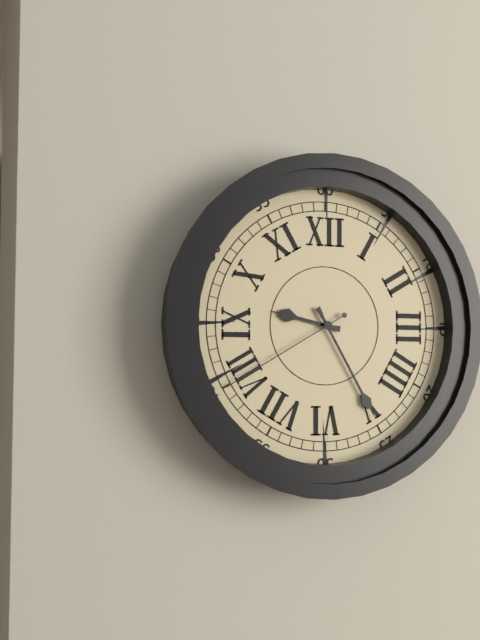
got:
h=9 m=25 s=40
